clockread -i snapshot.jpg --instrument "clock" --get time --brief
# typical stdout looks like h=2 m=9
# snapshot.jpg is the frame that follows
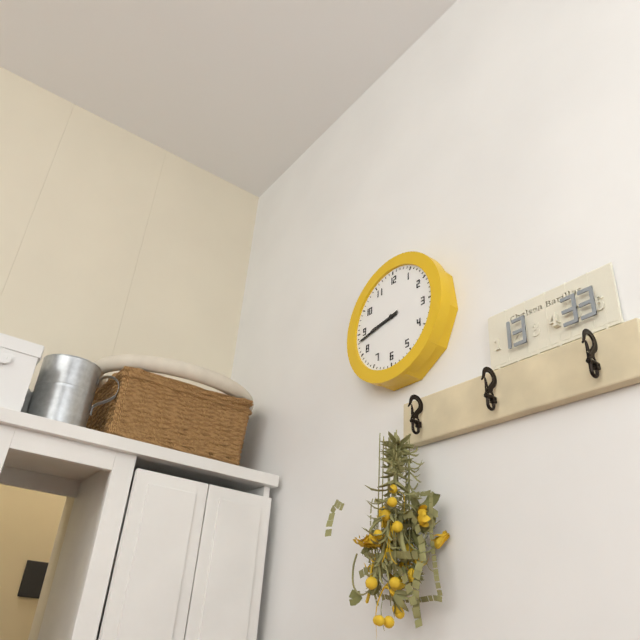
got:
h=8 m=43
